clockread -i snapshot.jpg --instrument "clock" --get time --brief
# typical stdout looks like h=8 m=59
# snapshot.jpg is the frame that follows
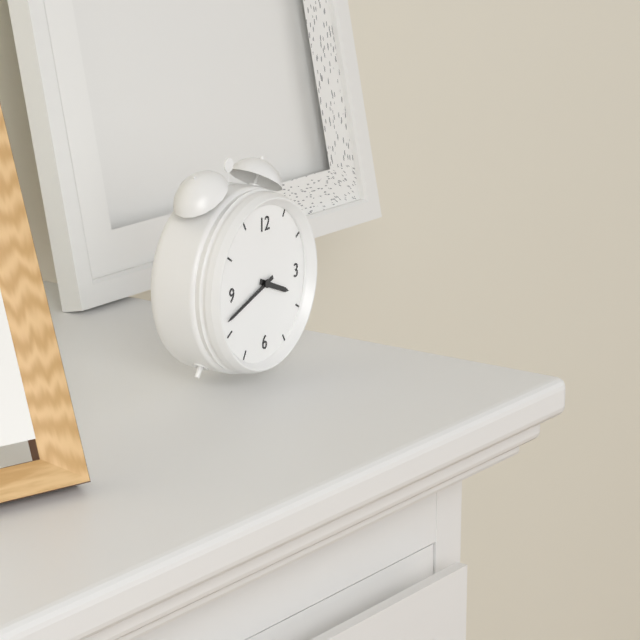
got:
h=3 m=42
